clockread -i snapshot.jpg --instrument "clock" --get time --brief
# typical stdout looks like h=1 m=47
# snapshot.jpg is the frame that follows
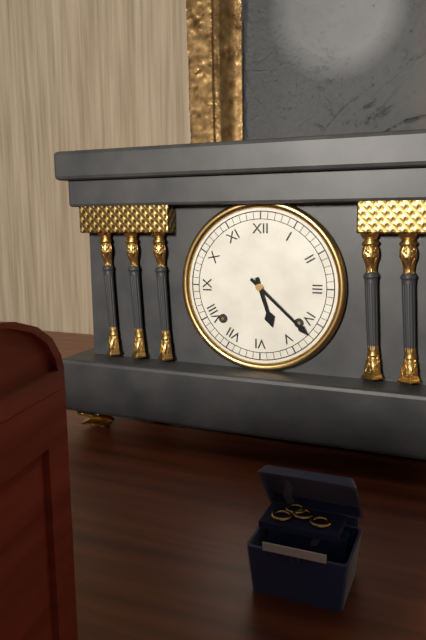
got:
h=5 m=22
